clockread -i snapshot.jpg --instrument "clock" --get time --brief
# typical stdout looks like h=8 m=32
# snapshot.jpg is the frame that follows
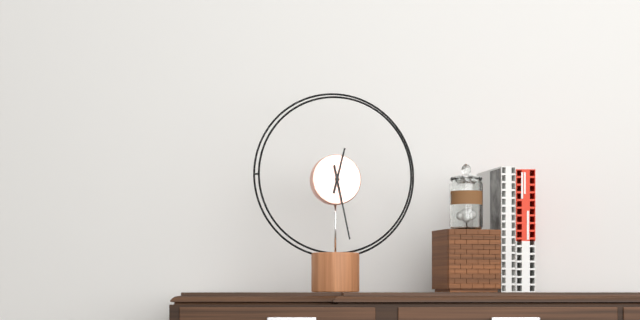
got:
h=12 m=28
